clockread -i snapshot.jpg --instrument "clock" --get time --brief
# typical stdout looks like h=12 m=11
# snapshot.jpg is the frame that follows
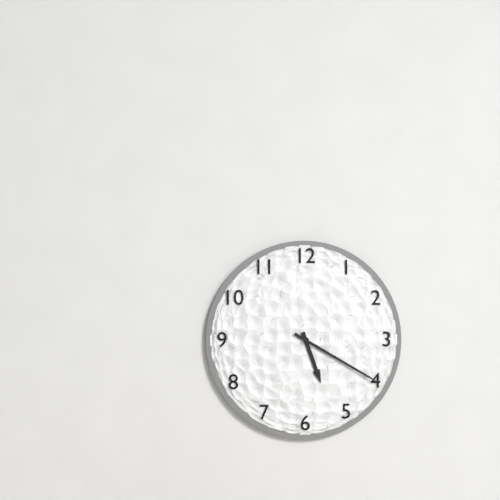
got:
h=5 m=20
